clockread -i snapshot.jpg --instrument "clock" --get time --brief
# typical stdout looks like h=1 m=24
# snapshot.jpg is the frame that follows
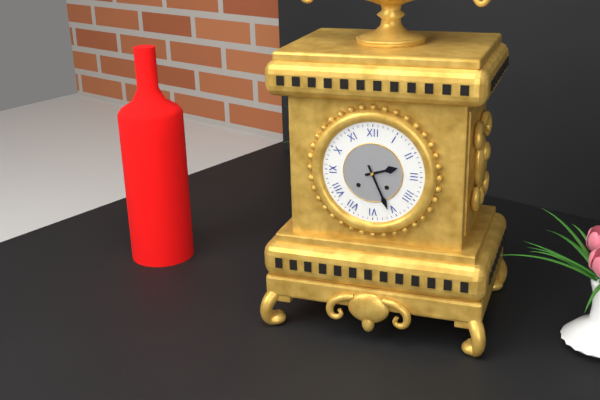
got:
h=2 m=26
